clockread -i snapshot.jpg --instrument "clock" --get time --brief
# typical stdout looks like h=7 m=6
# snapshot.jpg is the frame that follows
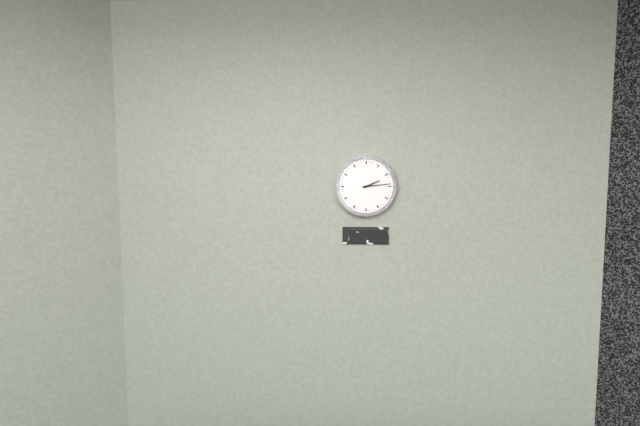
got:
h=2 m=14
